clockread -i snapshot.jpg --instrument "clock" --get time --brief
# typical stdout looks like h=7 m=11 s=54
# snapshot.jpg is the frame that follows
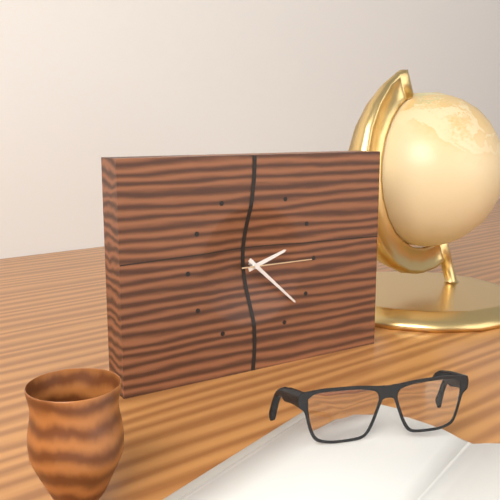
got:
h=2 m=22 s=15
